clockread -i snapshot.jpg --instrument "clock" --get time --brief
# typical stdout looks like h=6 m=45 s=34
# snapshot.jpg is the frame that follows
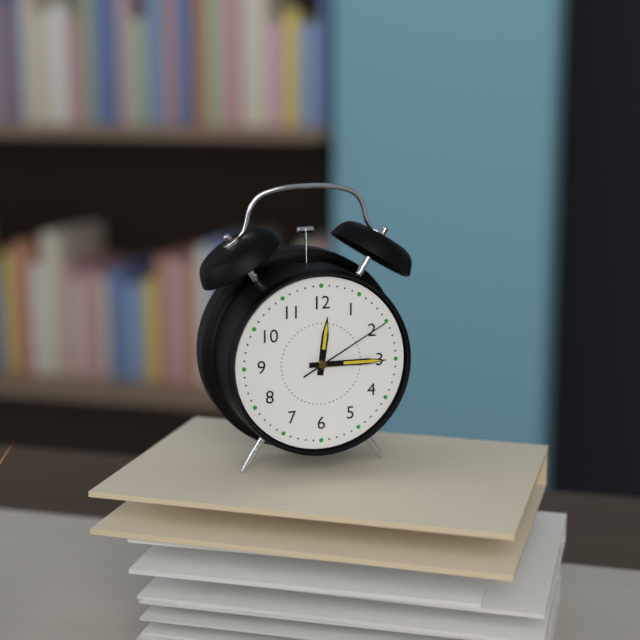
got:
h=12 m=15 s=10
